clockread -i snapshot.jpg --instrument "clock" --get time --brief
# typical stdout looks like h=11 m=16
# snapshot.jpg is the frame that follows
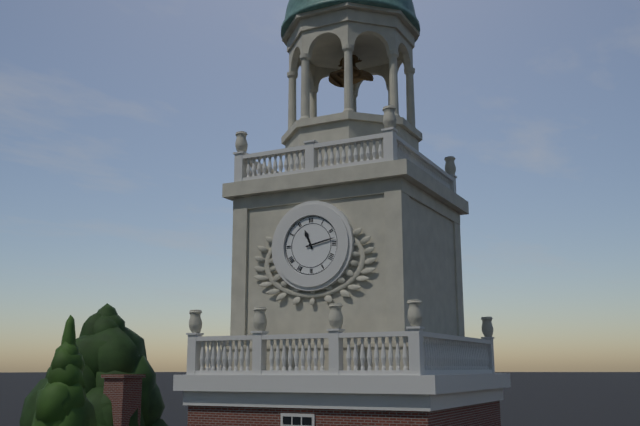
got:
h=11 m=13
